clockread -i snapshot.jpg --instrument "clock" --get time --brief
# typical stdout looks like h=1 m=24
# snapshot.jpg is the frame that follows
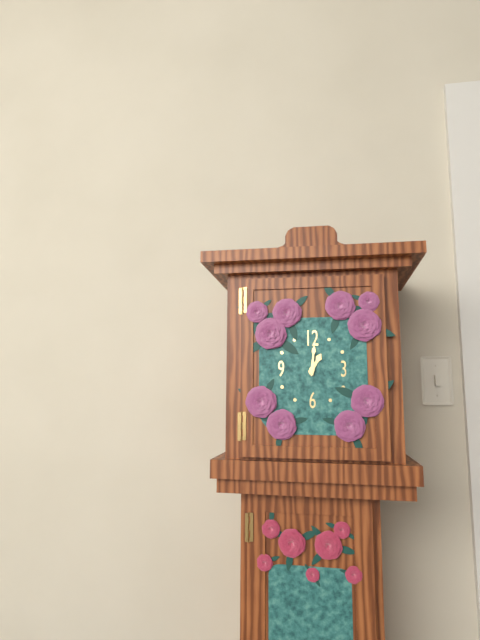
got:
h=1 m=1
